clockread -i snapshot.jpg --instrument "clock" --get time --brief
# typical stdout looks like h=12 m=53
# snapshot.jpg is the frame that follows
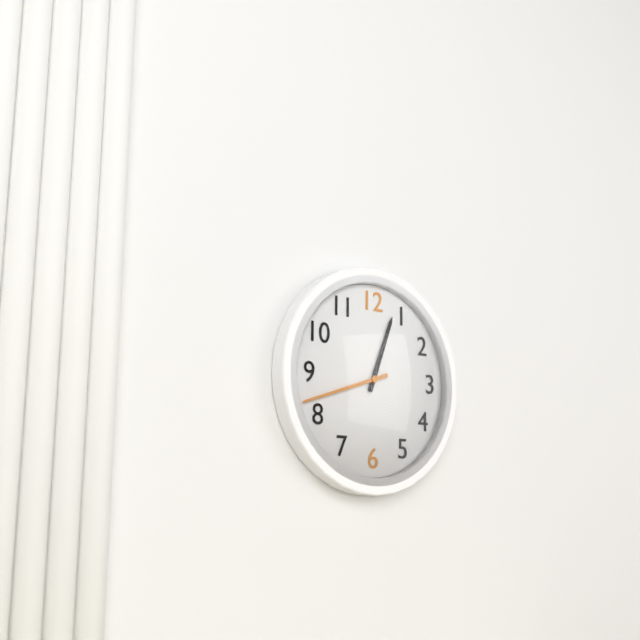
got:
h=12 m=42
